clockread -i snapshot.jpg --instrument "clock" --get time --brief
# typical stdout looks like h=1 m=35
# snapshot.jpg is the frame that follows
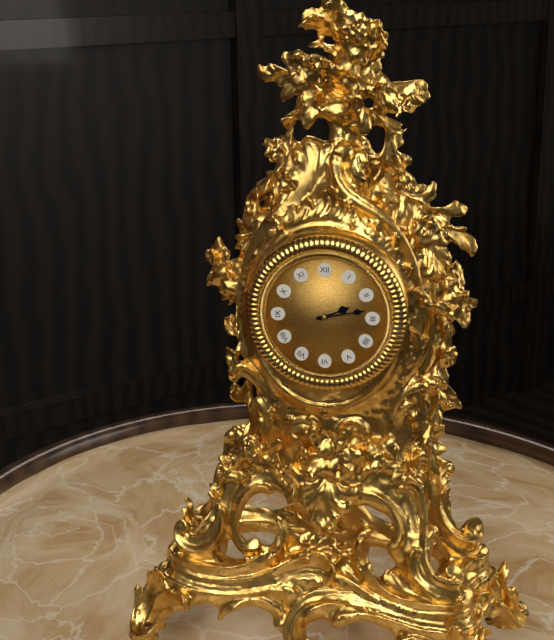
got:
h=2 m=13
